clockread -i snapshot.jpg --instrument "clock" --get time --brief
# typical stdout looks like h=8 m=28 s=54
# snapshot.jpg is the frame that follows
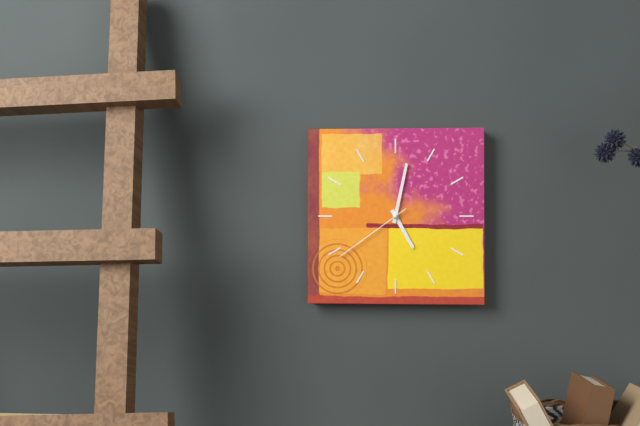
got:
h=5 m=2 s=39
